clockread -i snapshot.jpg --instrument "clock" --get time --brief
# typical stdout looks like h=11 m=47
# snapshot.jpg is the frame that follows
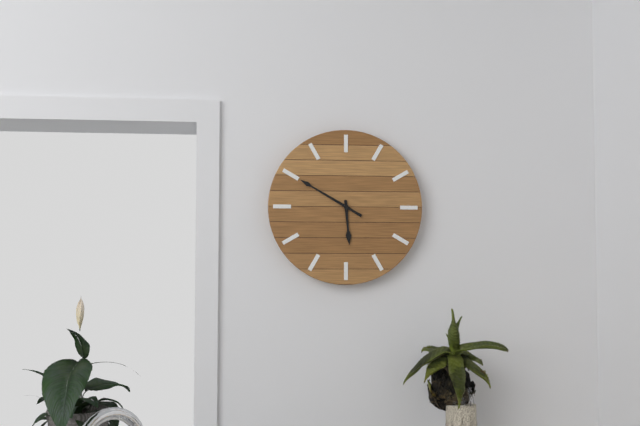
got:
h=5 m=50
